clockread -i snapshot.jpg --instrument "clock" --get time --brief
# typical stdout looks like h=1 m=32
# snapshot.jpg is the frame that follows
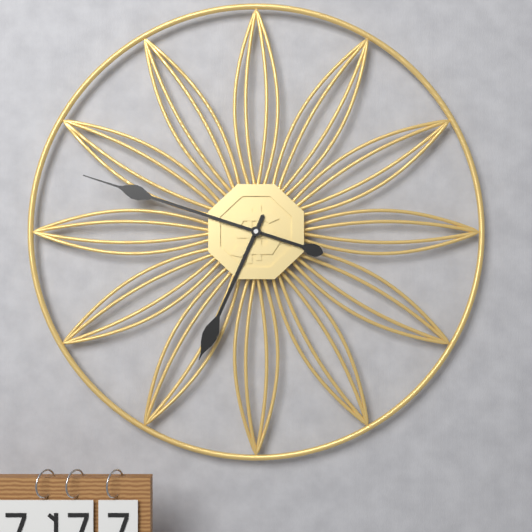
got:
h=6 m=48
